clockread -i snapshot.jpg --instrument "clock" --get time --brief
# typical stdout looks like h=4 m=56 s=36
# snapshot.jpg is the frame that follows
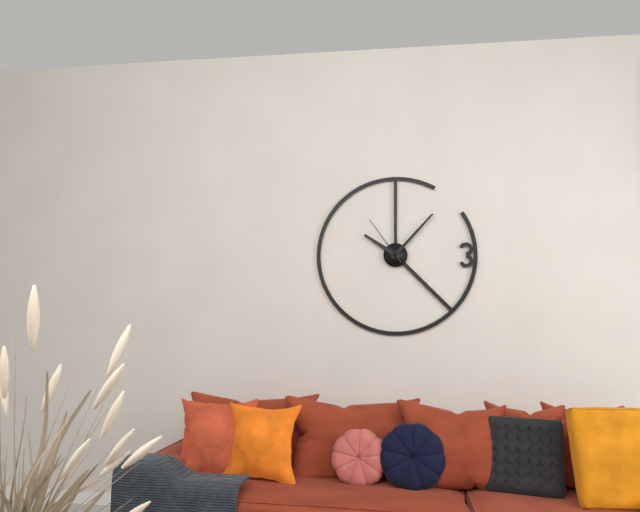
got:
h=10 m=7 s=54
